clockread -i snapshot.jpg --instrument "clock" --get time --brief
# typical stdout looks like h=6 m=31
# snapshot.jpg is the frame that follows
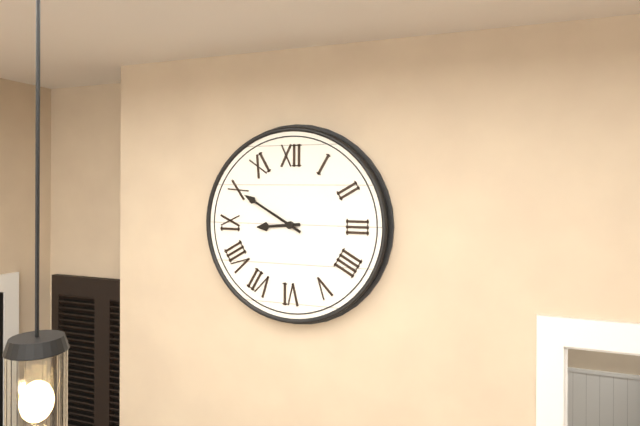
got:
h=8 m=50
